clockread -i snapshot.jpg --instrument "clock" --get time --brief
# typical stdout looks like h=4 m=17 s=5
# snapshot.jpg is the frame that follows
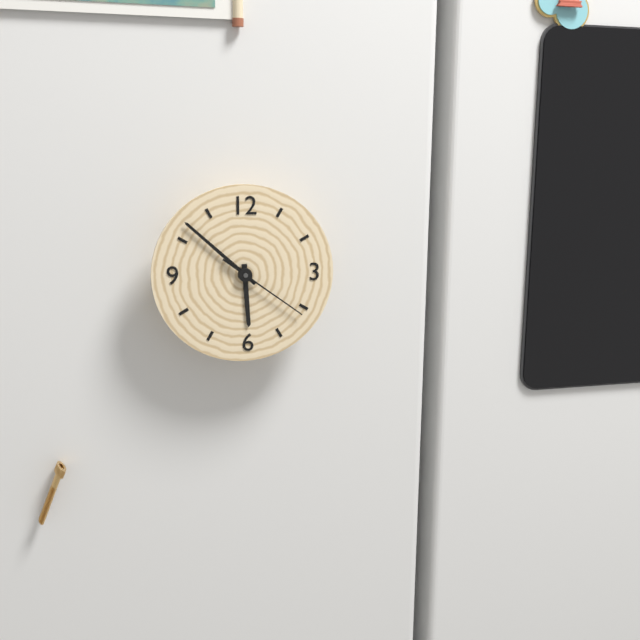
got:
h=5 m=52 s=21
